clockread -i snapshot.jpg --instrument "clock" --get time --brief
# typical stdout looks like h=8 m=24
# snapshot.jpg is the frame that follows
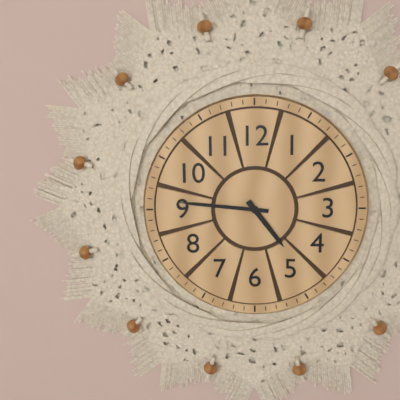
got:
h=4 m=46
